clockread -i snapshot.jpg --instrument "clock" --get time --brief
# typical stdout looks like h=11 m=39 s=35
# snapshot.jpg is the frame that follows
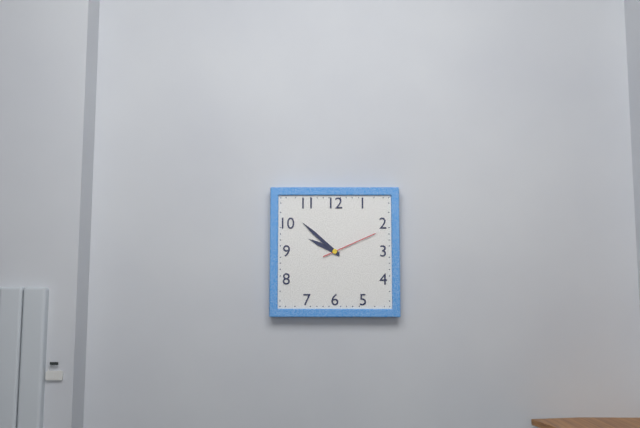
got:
h=9 m=52 s=11
